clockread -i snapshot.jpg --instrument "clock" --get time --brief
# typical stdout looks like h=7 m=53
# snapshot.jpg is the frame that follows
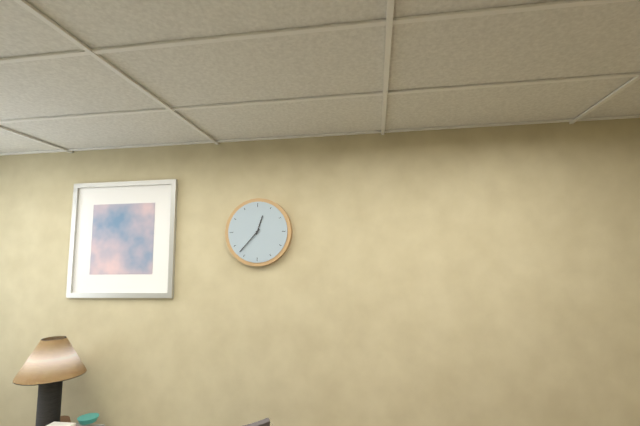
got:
h=12 m=37
